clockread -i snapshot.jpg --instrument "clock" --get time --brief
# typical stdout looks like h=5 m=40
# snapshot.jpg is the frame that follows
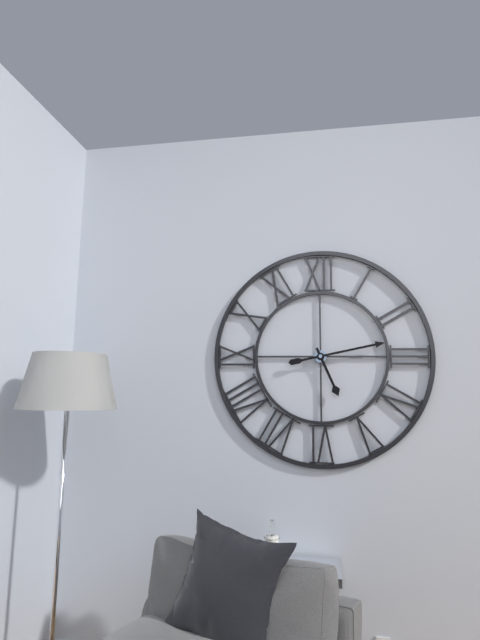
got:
h=5 m=13
